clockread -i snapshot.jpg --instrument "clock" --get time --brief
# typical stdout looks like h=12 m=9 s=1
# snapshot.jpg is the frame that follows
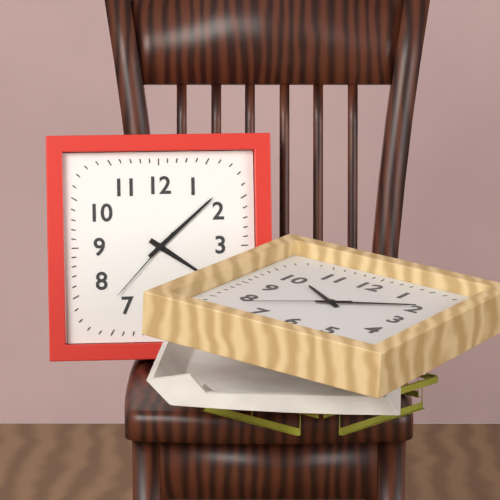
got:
h=4 m=8 s=37
